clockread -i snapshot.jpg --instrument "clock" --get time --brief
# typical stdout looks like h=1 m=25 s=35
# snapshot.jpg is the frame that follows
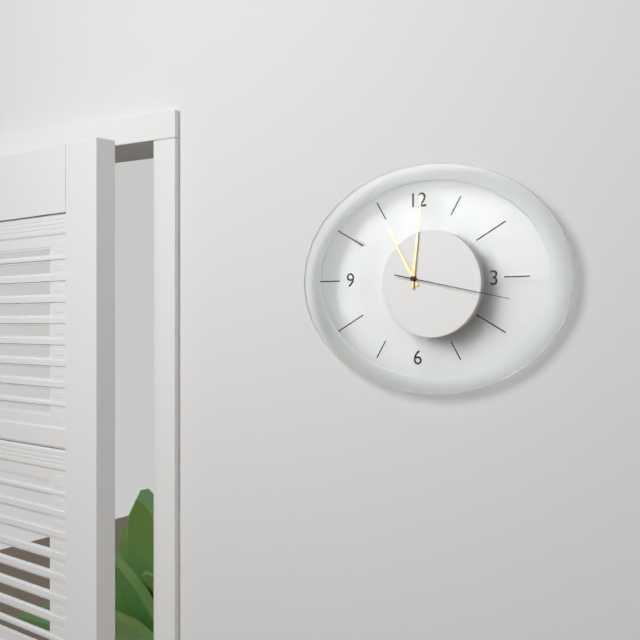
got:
h=11 m=1 s=17
